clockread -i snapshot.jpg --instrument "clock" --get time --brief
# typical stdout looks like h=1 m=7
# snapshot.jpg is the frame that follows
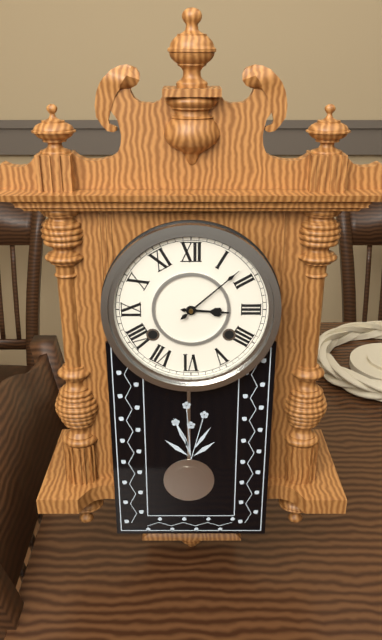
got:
h=3 m=8
